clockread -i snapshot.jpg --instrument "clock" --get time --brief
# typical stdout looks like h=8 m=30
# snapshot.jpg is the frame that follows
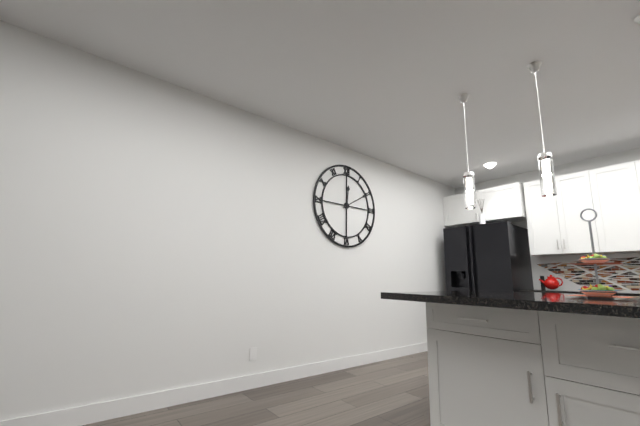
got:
h=12 m=10
